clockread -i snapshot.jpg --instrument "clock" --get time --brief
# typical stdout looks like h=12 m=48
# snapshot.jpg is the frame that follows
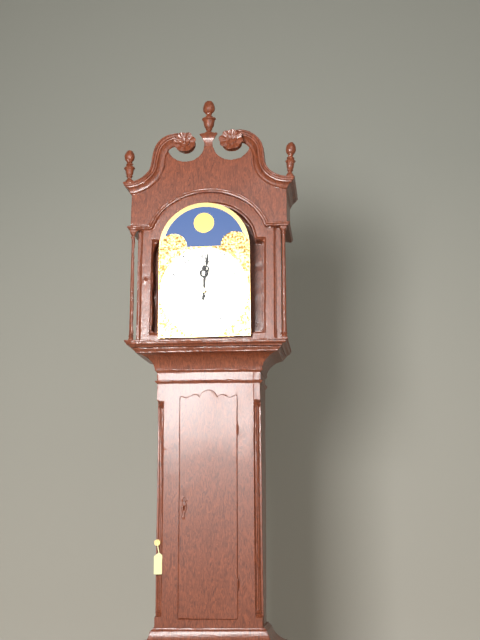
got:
h=12 m=1
